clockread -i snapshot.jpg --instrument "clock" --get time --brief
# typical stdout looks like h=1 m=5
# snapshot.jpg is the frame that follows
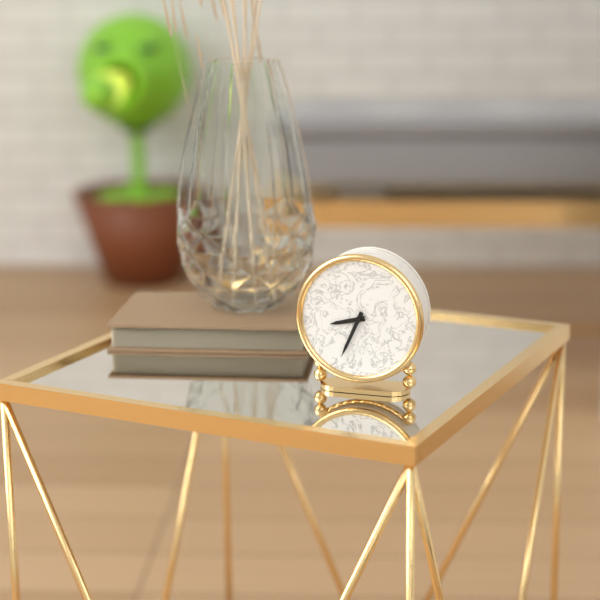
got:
h=8 m=34
